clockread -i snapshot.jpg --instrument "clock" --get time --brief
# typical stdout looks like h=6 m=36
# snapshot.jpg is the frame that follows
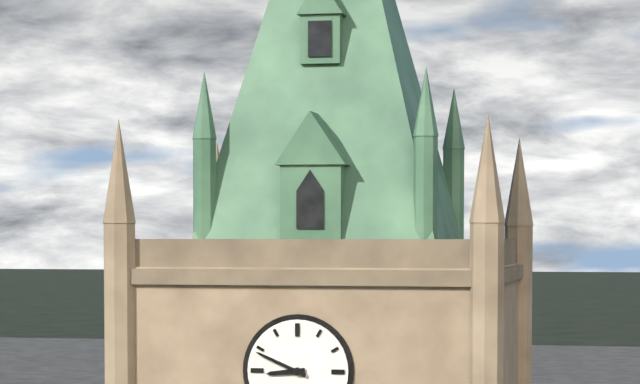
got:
h=8 m=49
